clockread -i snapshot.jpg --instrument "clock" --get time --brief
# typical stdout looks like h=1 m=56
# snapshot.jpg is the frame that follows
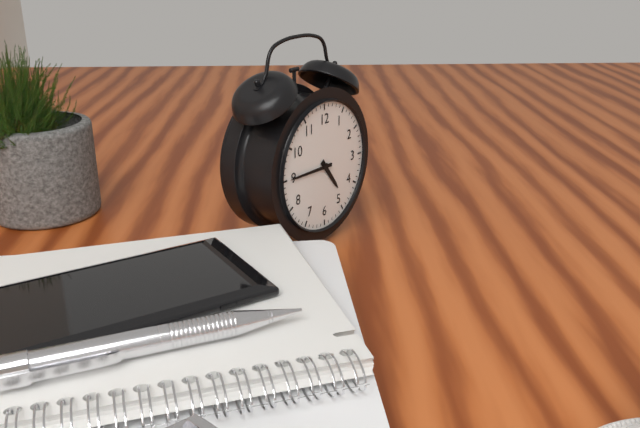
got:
h=4 m=45
